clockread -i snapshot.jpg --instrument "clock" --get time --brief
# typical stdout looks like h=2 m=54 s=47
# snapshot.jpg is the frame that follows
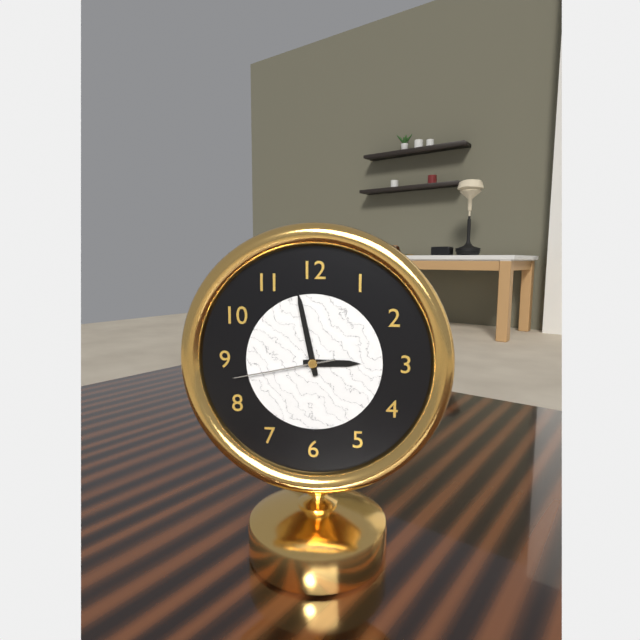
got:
h=2 m=58 s=43
